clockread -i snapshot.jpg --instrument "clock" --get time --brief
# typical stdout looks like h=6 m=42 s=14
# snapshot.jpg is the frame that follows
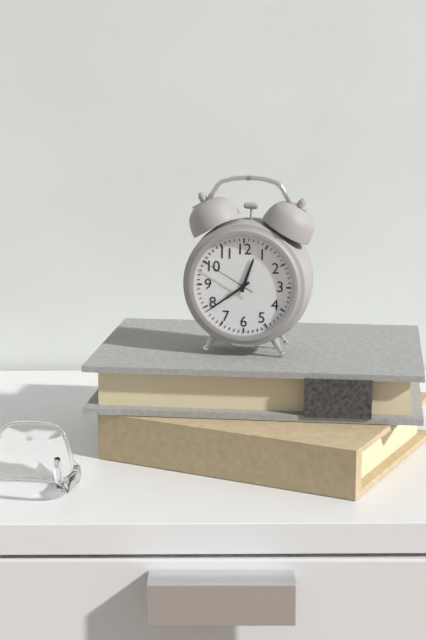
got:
h=12 m=39 s=50
